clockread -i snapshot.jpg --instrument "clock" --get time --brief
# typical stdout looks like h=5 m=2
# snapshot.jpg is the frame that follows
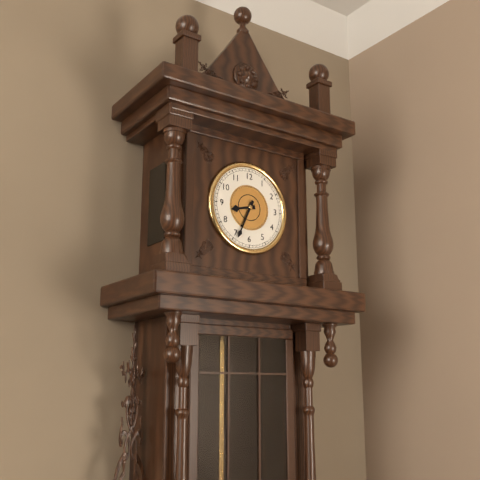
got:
h=8 m=34
